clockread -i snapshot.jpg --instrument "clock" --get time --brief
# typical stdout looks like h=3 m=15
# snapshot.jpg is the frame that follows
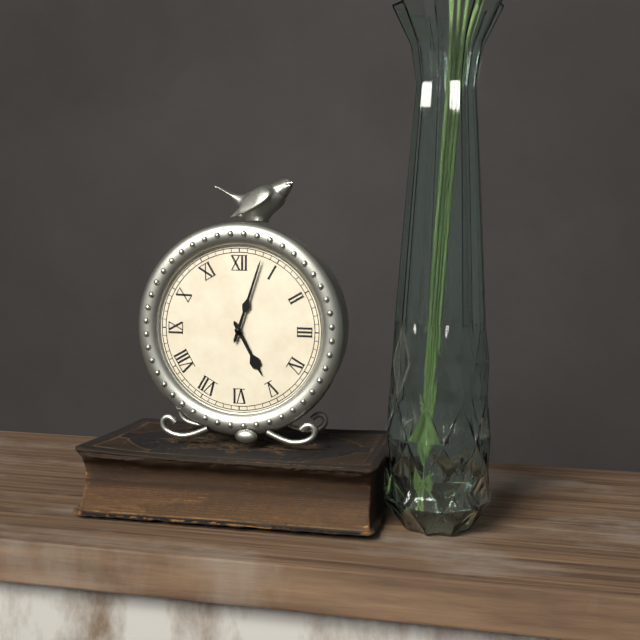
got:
h=5 m=3
